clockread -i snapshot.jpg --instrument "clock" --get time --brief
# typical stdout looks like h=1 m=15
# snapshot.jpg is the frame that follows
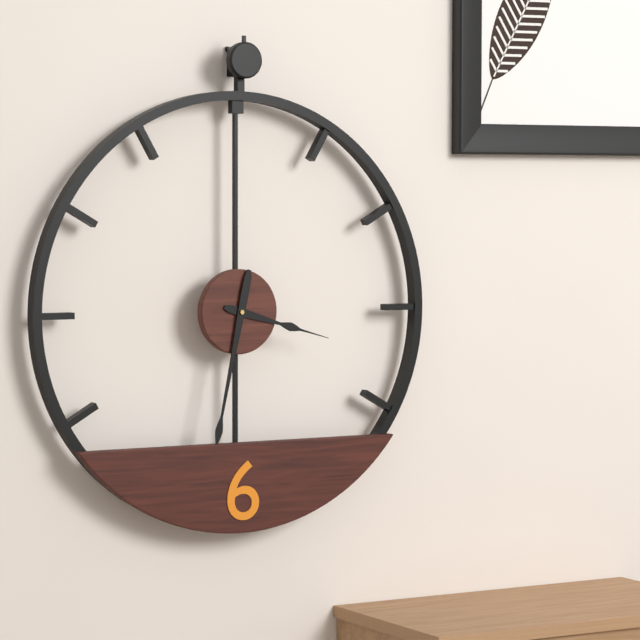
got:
h=3 m=32
